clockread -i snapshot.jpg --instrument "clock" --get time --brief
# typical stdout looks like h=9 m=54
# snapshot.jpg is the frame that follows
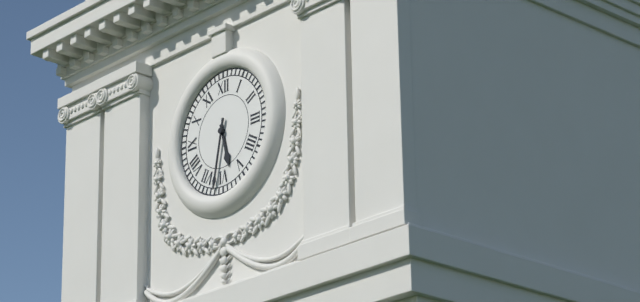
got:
h=5 m=32
